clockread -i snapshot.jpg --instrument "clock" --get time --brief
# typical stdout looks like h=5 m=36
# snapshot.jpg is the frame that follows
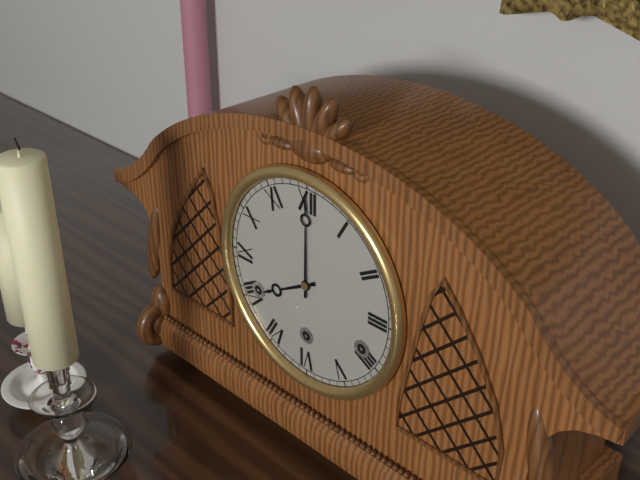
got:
h=8 m=0
